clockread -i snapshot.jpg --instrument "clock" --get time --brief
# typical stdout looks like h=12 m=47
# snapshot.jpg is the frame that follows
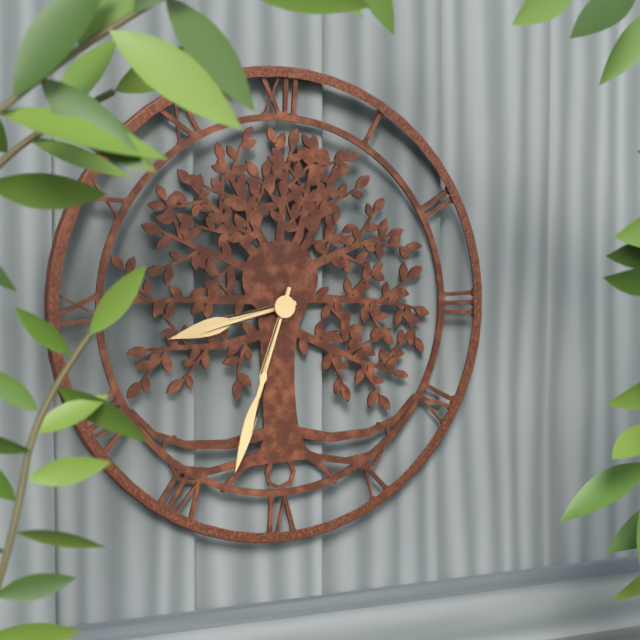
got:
h=8 m=33
